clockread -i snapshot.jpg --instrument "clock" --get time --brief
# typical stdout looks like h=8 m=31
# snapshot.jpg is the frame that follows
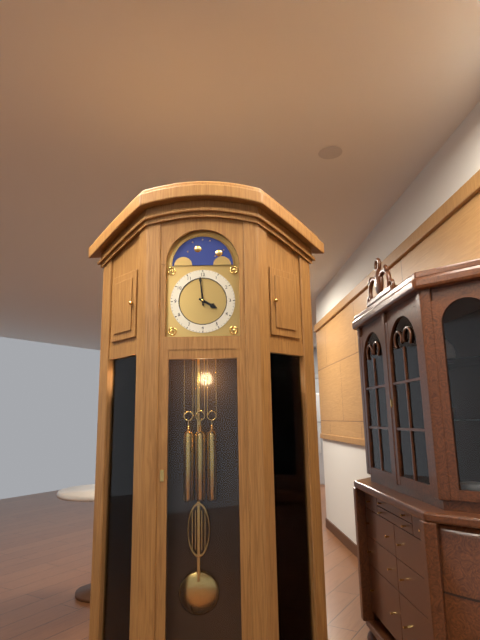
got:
h=3 m=59
